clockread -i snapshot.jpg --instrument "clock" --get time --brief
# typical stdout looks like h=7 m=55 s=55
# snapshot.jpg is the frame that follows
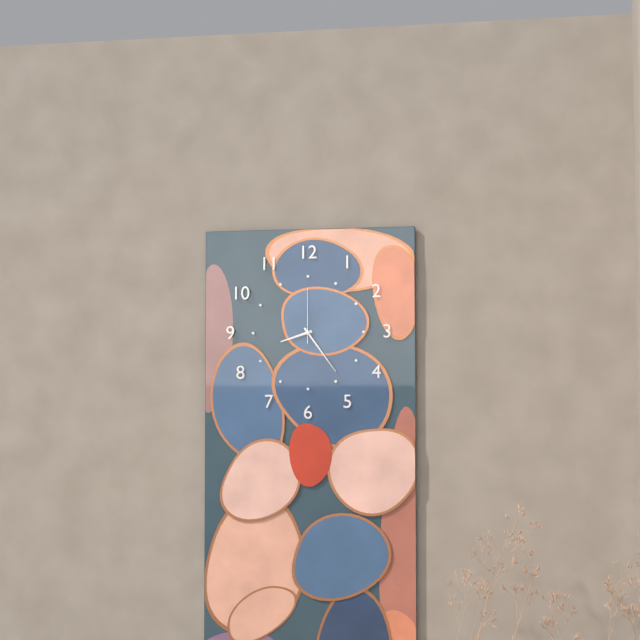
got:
h=8 m=24 s=0
